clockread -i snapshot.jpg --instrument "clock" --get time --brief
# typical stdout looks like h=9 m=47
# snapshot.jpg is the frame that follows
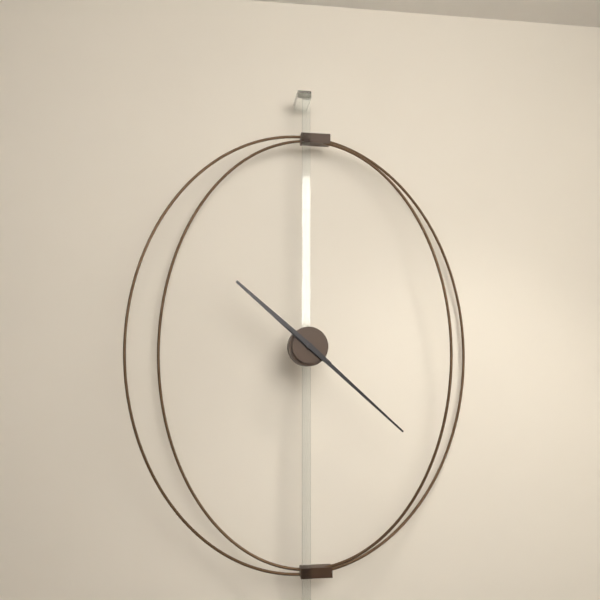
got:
h=10 m=22
